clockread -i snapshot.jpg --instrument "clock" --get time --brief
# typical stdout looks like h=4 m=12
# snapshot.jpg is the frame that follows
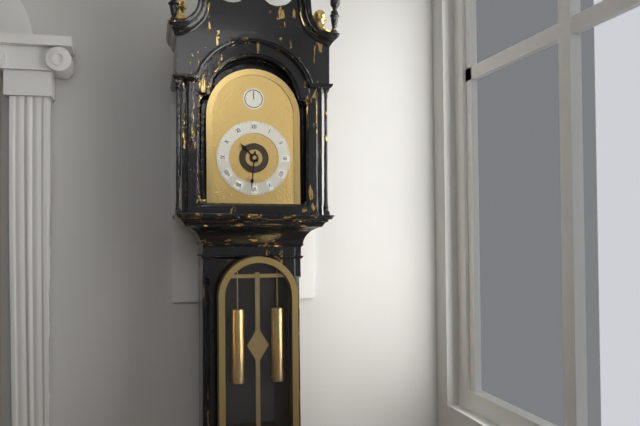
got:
h=10 m=31
